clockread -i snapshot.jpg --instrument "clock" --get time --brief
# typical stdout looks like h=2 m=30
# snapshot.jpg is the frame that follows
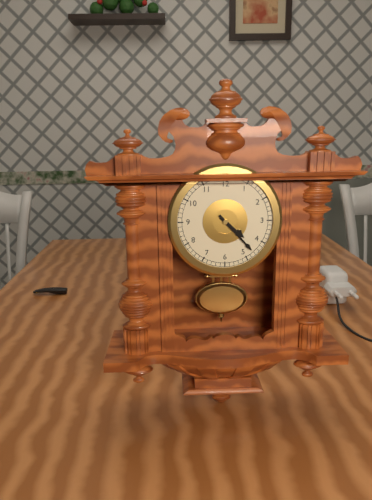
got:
h=4 m=23
